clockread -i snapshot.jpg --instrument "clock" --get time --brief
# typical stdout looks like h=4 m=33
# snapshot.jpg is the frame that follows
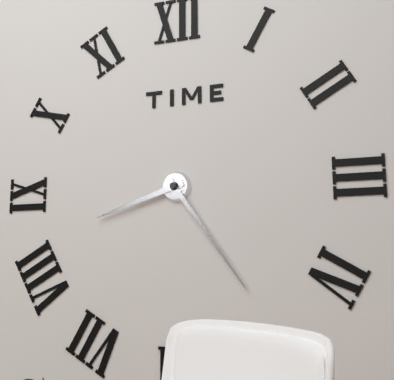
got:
h=8 m=24
